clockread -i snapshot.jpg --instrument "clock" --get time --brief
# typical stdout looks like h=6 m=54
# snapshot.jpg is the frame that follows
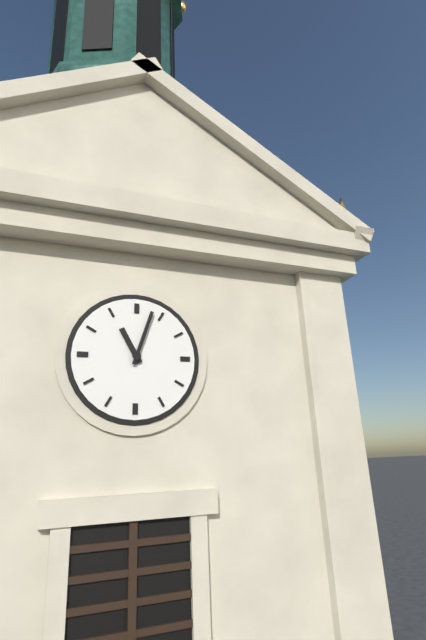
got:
h=11 m=3
